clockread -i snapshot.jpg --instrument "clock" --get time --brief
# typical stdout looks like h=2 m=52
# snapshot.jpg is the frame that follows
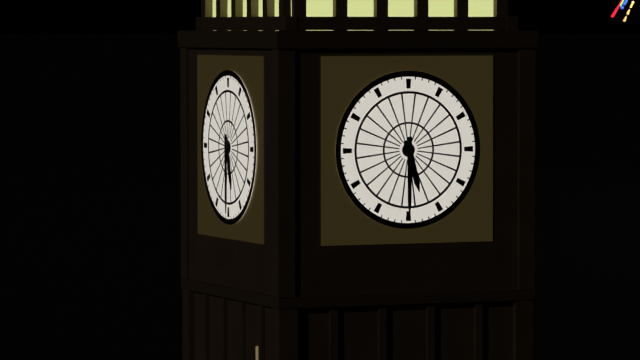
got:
h=5 m=30
